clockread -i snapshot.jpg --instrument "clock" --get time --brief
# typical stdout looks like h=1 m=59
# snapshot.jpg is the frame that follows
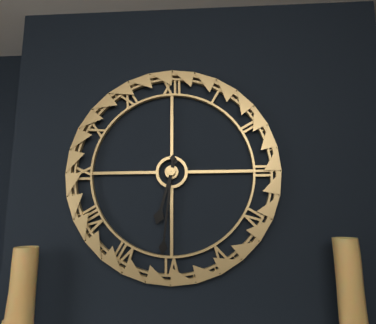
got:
h=6 m=31
